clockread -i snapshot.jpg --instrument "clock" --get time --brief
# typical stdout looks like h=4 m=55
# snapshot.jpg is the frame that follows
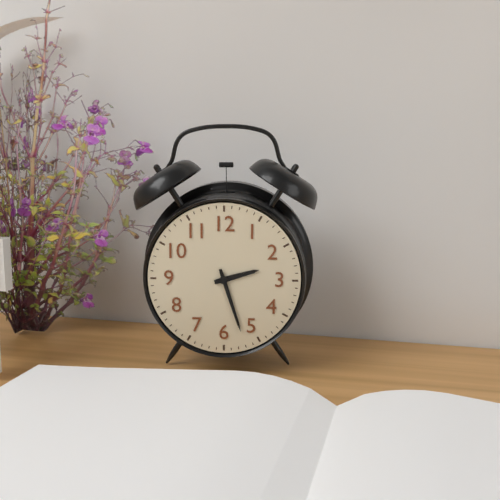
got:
h=2 m=27
